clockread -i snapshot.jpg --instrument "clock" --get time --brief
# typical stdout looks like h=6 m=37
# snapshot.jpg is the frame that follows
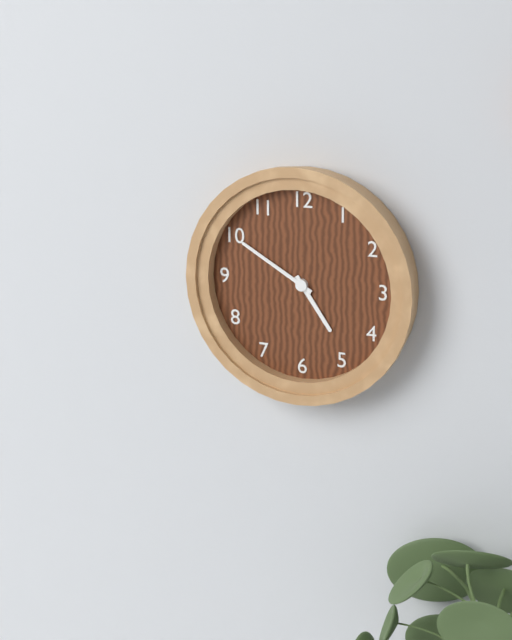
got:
h=4 m=50
